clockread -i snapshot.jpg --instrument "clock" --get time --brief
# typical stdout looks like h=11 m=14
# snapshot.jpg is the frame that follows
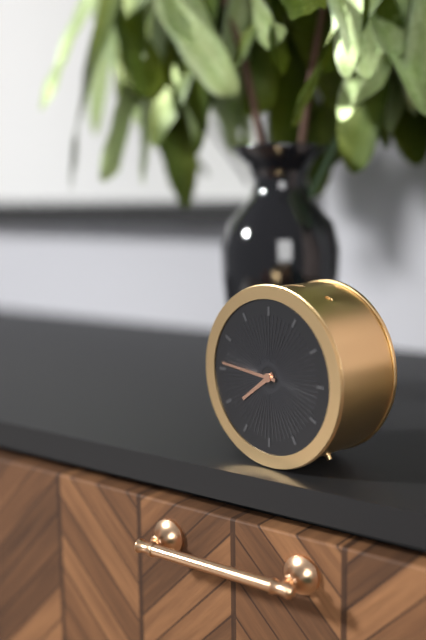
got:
h=7 m=46
